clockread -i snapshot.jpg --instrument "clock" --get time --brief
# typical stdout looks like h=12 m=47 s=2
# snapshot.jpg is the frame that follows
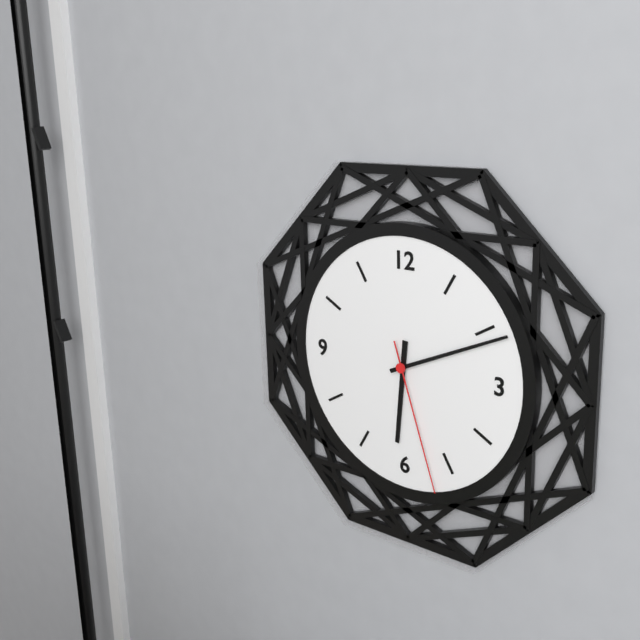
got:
h=6 m=11 s=27
